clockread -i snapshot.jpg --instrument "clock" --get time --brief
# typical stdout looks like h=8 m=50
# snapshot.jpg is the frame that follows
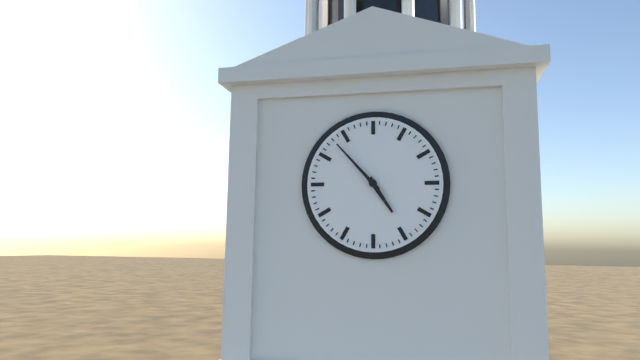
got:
h=4 m=53
